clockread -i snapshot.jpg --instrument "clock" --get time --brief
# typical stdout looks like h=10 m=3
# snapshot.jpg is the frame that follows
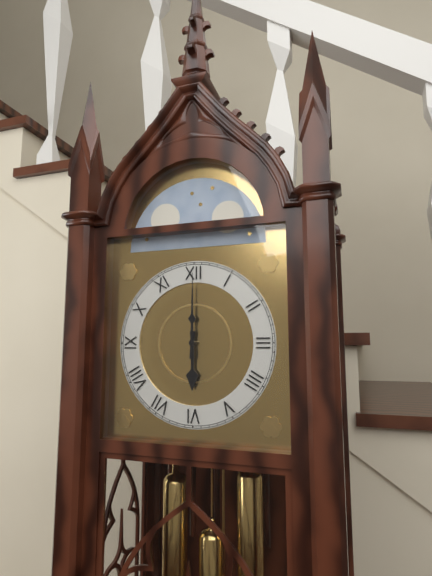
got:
h=6 m=0
